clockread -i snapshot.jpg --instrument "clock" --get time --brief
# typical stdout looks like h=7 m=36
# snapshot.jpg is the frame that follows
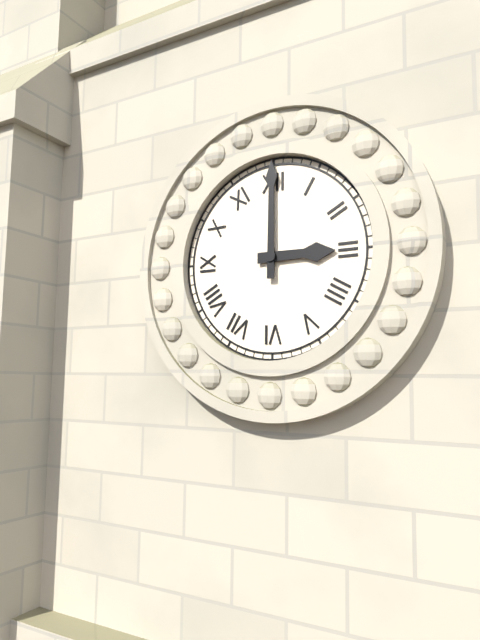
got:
h=3 m=0
